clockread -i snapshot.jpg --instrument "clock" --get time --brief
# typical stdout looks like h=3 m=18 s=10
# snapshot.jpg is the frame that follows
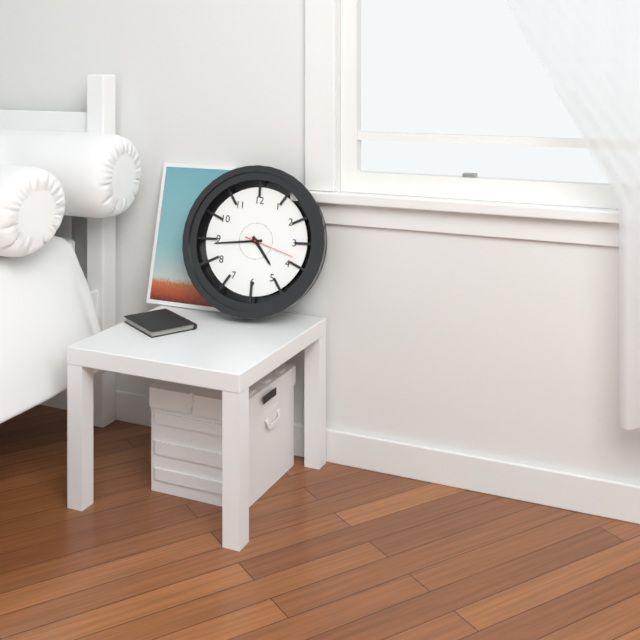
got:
h=4 m=44 s=18
